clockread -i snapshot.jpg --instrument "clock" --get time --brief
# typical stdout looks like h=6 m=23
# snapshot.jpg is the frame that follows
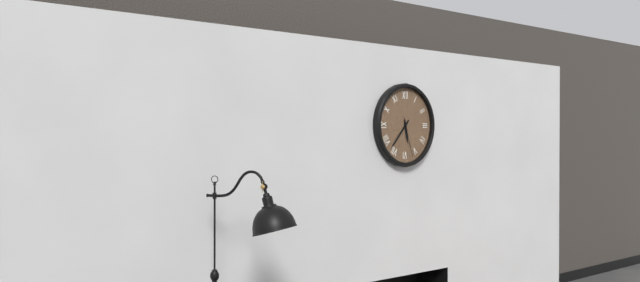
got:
h=5 m=37
